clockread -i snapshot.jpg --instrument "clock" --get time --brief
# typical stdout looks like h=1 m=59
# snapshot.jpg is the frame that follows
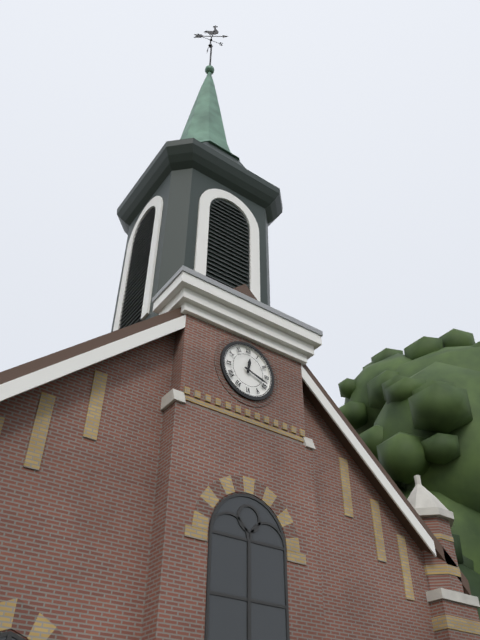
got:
h=12 m=18
